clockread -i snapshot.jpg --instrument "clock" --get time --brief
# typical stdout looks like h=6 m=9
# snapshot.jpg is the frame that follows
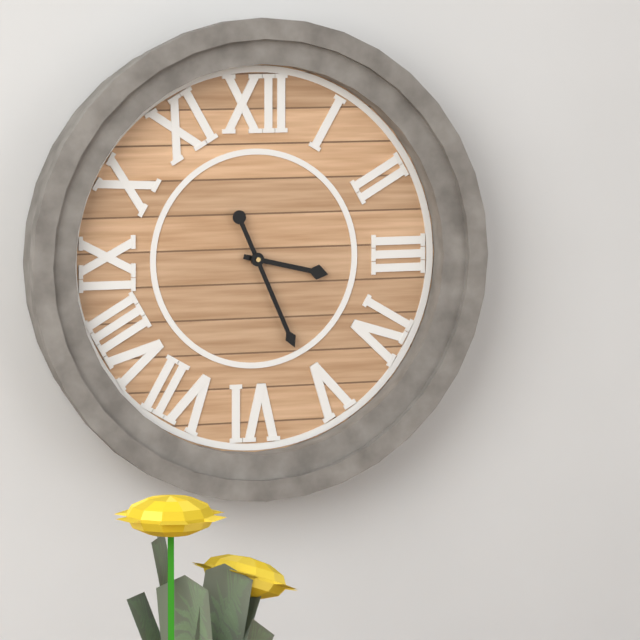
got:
h=3 m=26
